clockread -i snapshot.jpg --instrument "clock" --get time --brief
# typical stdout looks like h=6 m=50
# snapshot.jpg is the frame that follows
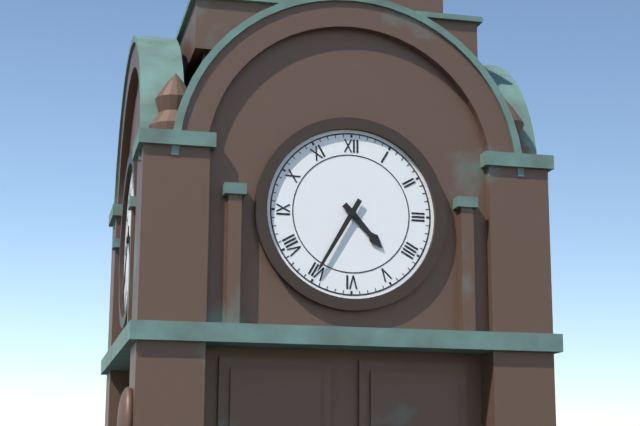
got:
h=4 m=35
